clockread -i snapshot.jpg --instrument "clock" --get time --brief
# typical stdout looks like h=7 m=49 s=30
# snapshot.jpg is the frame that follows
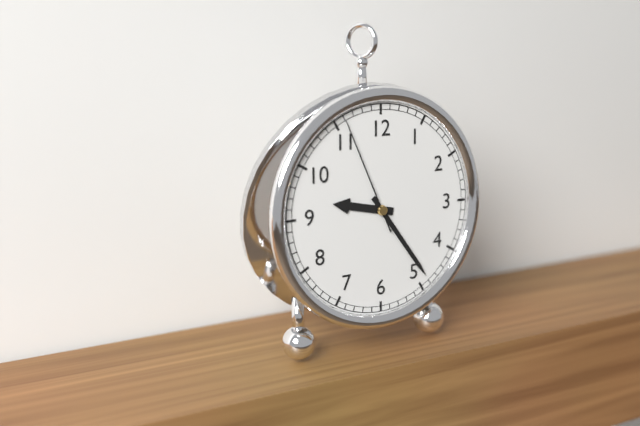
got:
h=9 m=24 s=56
